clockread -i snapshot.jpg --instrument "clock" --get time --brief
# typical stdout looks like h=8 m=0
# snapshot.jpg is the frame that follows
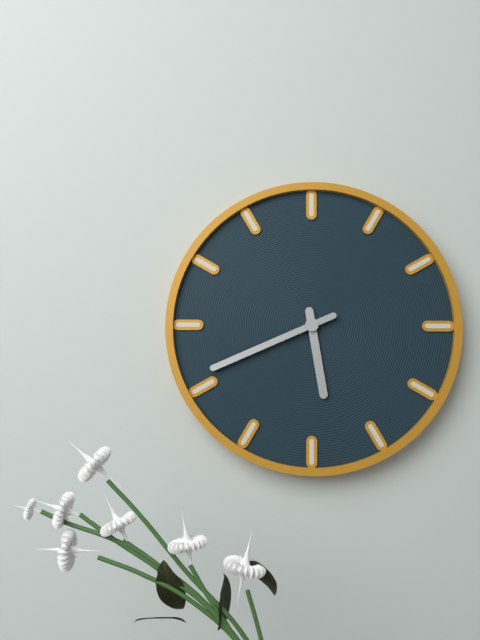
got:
h=5 m=41
